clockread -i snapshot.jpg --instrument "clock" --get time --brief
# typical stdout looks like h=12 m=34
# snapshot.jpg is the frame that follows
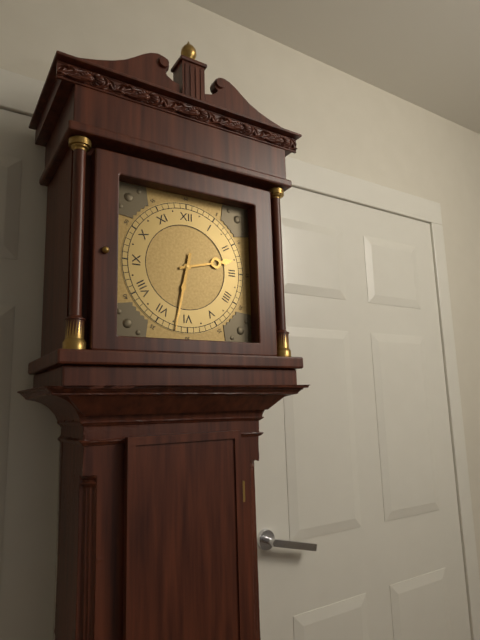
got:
h=2 m=32
